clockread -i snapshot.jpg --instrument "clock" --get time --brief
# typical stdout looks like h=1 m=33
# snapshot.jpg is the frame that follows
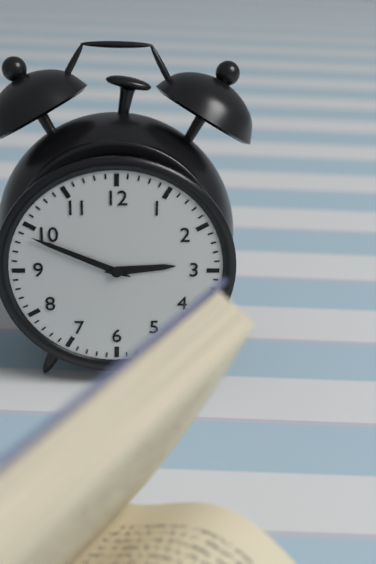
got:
h=2 m=49
